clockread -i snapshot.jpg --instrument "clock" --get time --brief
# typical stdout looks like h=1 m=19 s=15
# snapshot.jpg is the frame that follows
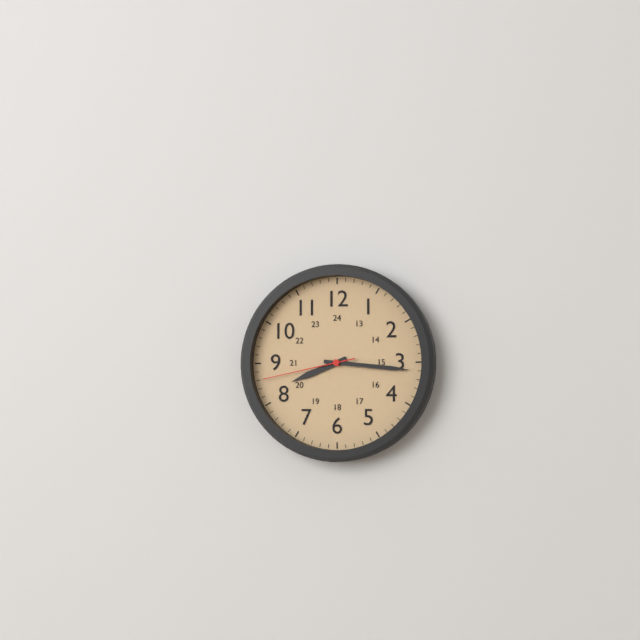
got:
h=8 m=16 s=43
